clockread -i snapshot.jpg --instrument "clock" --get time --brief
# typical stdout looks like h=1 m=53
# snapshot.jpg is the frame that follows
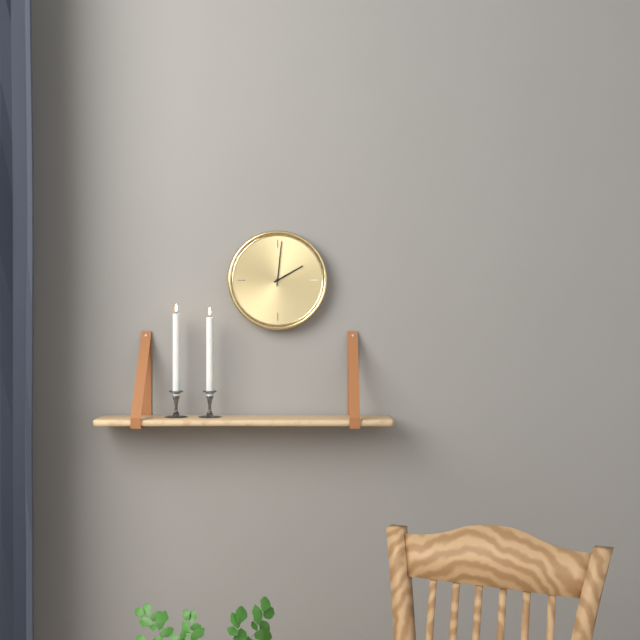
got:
h=2 m=1
